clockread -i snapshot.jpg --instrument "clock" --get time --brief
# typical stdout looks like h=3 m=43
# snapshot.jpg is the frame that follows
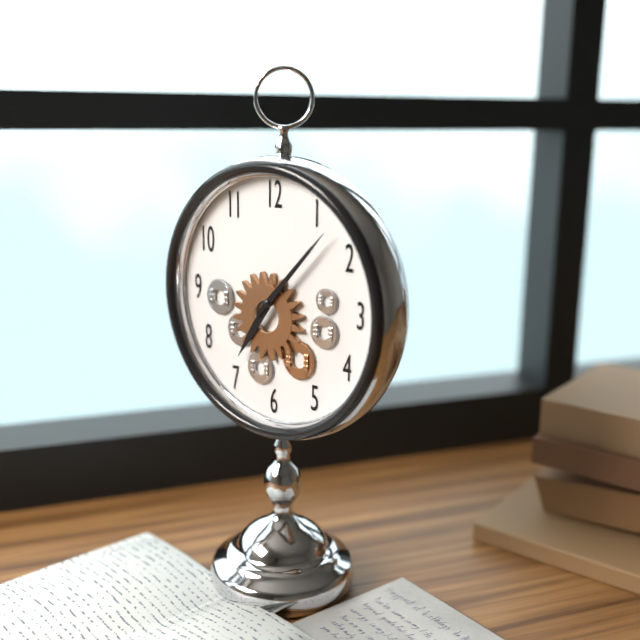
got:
h=7 m=7
